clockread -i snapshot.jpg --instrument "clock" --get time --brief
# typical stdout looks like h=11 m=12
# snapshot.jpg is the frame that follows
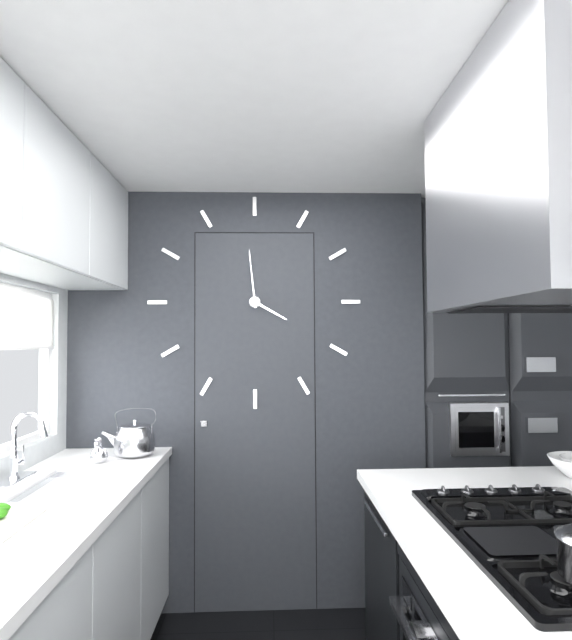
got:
h=3 m=59
